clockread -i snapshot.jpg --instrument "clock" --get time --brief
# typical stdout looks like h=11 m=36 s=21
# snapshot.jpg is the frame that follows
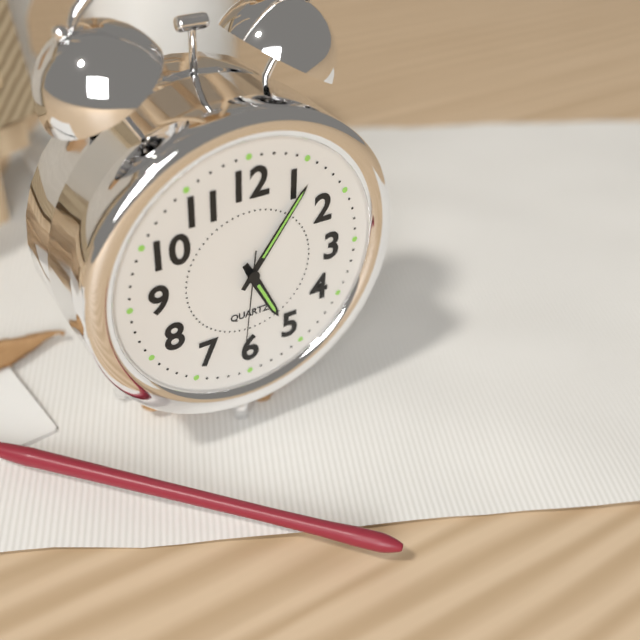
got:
h=5 m=6 s=31
